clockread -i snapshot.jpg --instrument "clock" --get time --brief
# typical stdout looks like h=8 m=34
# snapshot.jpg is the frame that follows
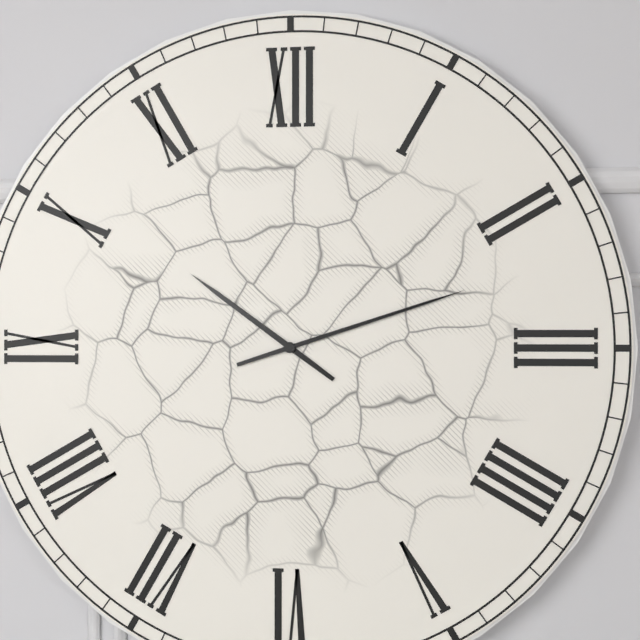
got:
h=10 m=12
